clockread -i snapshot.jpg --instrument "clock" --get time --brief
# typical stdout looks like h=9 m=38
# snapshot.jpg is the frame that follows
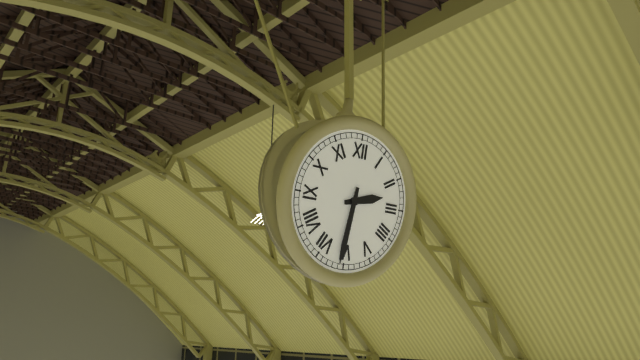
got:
h=2 m=31
